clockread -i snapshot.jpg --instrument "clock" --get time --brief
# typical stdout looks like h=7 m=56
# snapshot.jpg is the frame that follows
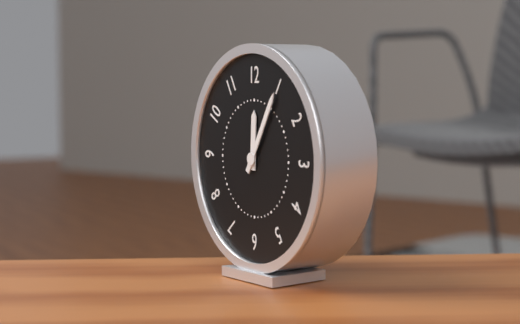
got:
h=12 m=5
